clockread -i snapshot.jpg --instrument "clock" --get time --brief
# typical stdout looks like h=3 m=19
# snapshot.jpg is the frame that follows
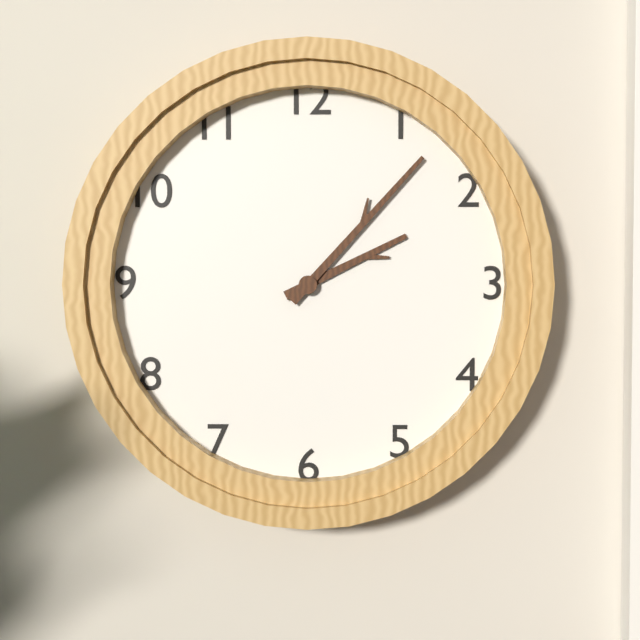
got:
h=2 m=7
